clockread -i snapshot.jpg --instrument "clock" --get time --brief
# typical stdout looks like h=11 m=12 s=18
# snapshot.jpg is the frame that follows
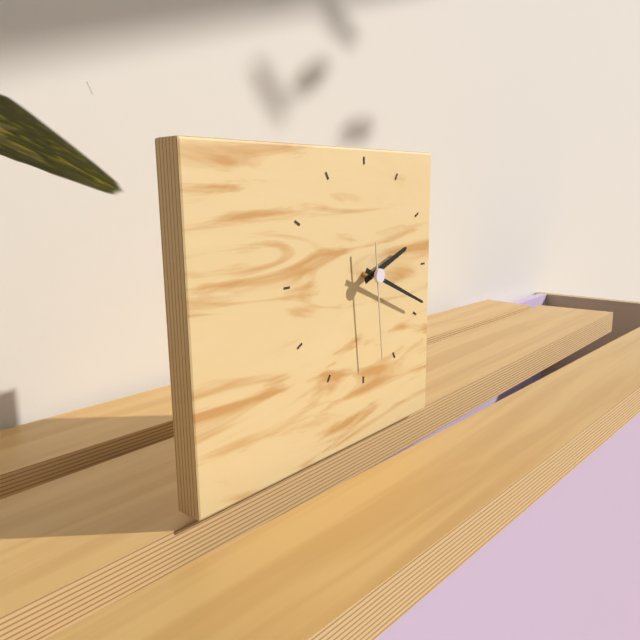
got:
h=2 m=19 s=29
